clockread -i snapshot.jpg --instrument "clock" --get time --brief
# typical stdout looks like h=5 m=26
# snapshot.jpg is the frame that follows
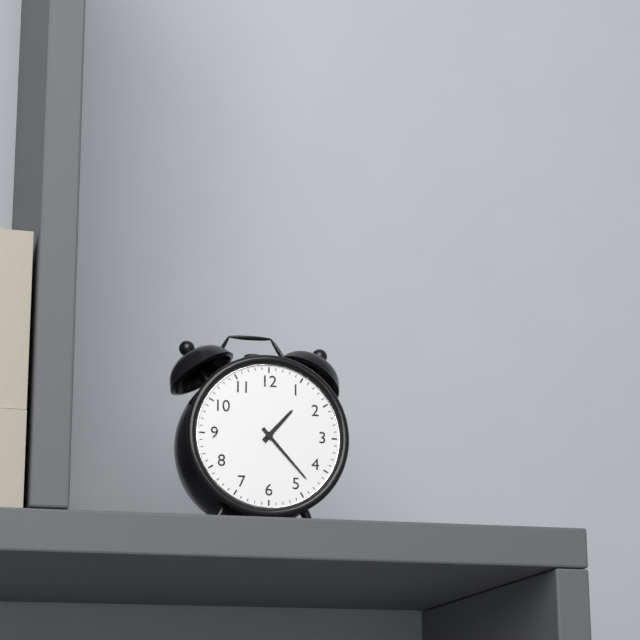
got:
h=1 m=23
